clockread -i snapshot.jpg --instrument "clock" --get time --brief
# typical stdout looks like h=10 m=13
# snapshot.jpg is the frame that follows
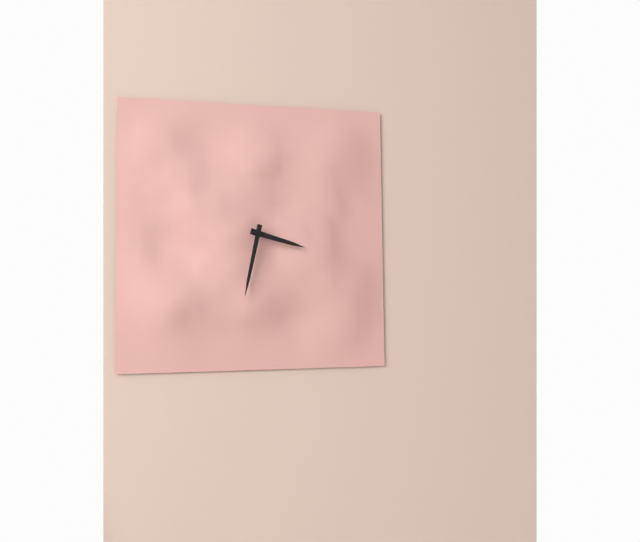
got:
h=3 m=32
